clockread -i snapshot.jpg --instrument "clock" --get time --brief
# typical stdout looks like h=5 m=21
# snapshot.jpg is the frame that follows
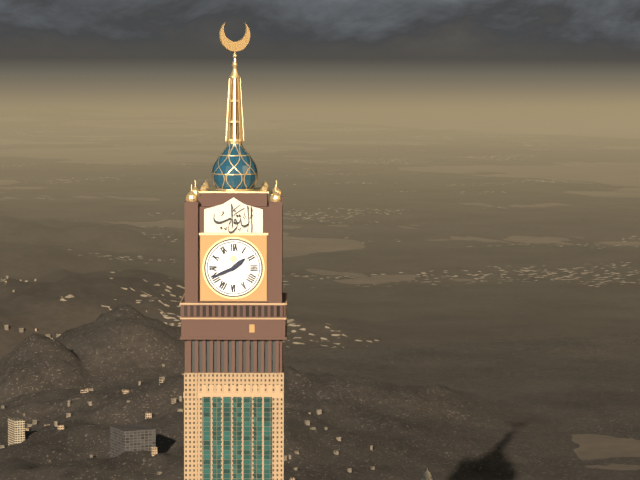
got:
h=1 m=41
